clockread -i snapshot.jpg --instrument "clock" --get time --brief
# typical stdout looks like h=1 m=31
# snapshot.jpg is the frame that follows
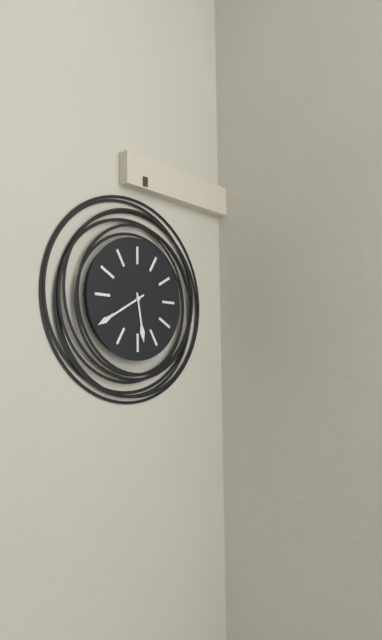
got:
h=5 m=40
